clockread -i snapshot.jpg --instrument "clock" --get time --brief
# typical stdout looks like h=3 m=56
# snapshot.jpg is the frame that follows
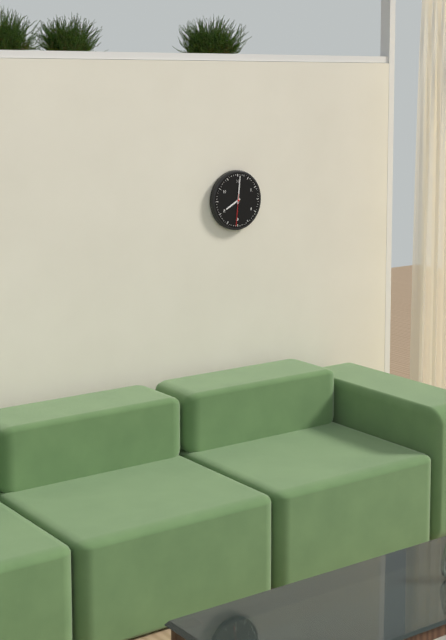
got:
h=8 m=1
